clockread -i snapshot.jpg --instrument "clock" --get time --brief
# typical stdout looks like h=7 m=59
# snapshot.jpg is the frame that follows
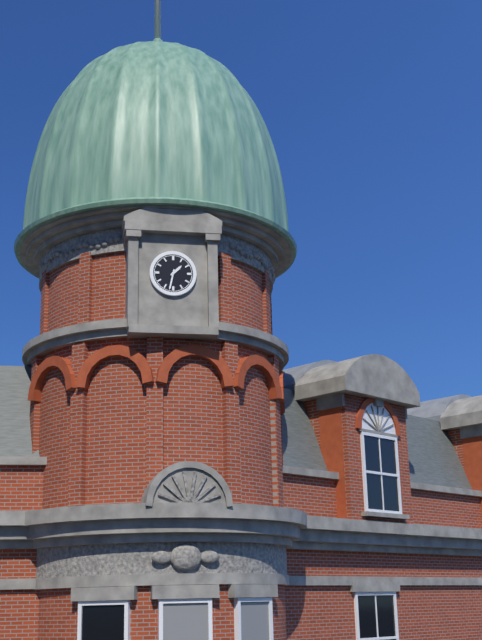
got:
h=1 m=32
